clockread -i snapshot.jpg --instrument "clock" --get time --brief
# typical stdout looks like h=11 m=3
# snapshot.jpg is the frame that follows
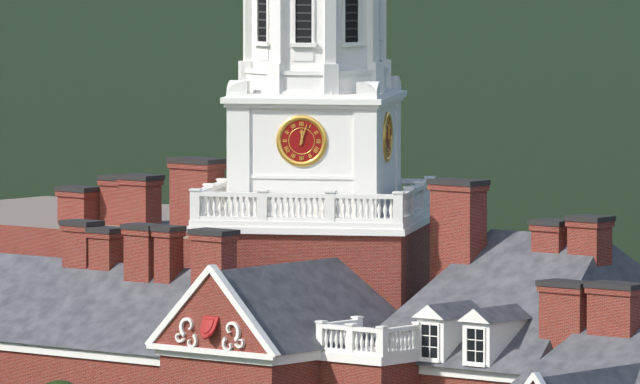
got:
h=12 m=3
